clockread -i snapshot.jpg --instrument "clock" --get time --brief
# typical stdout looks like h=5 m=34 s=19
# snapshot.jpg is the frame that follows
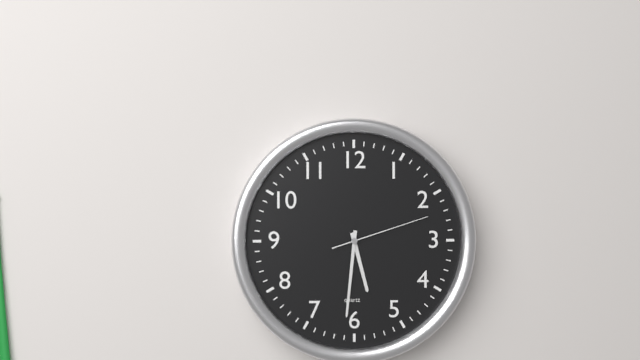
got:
h=5 m=31 s=12
